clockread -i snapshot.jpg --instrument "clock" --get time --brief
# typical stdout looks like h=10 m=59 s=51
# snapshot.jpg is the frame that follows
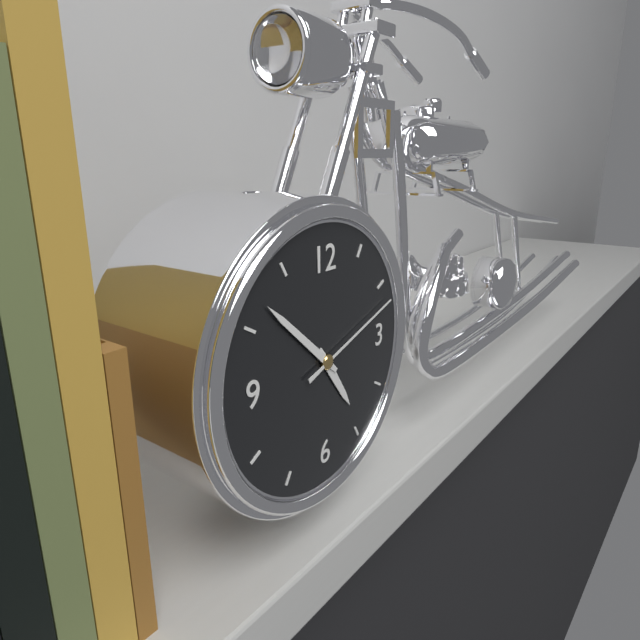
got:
h=4 m=52 s=12
